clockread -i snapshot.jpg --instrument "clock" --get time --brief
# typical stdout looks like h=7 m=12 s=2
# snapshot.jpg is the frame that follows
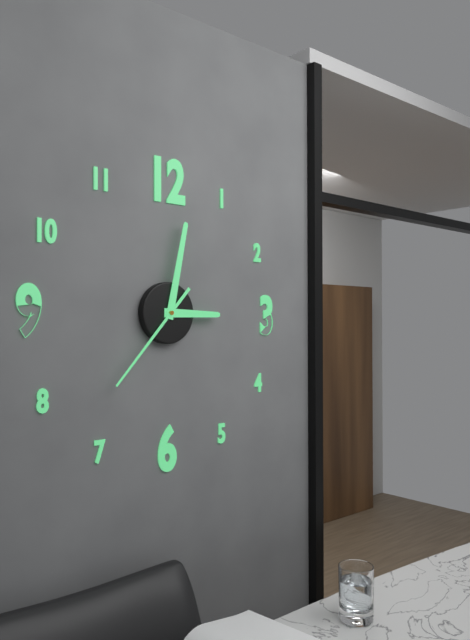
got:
h=3 m=2 s=37
